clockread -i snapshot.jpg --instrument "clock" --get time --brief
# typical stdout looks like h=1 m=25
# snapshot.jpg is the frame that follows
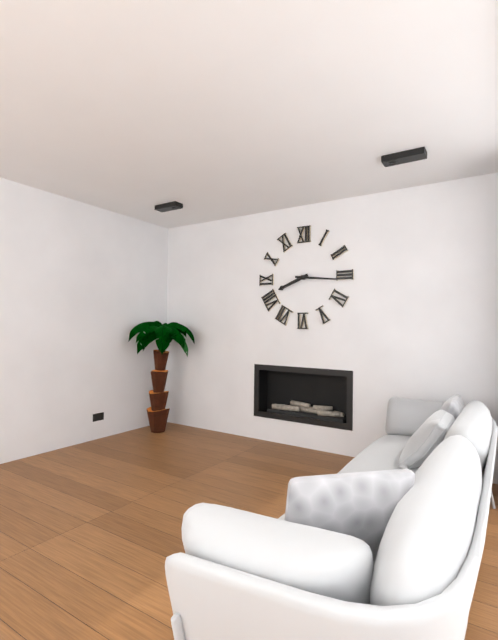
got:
h=8 m=16
